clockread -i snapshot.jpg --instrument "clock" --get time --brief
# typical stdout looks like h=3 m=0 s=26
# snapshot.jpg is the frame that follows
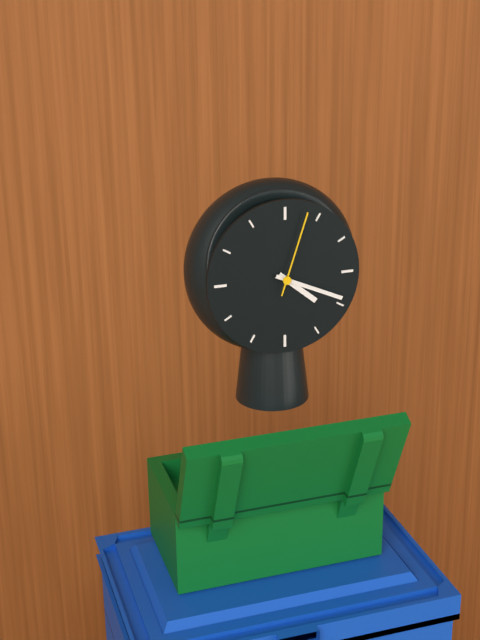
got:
h=4 m=19 s=3
